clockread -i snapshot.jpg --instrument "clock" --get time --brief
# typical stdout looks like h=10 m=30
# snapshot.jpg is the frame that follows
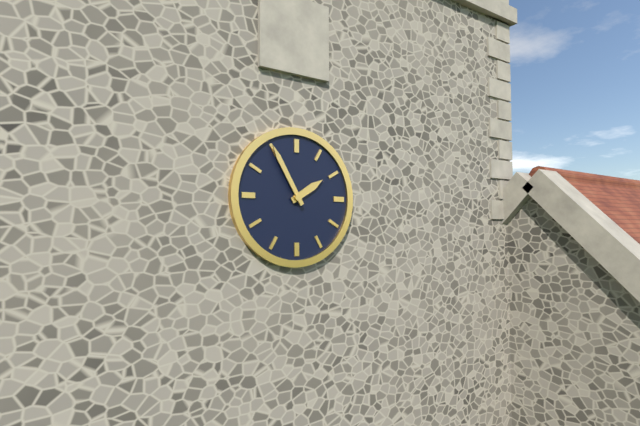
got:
h=1 m=55
